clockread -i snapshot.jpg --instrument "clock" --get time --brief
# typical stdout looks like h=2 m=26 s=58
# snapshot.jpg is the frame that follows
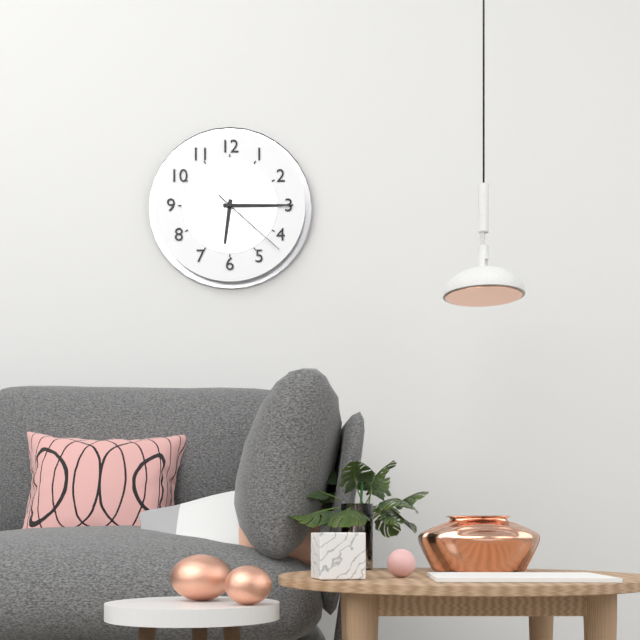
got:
h=6 m=15 s=22
